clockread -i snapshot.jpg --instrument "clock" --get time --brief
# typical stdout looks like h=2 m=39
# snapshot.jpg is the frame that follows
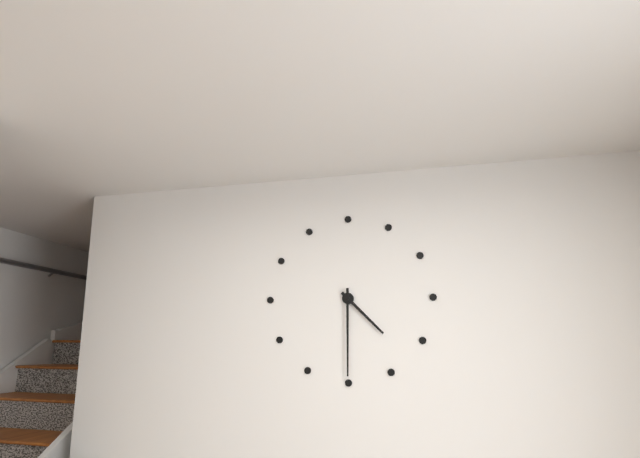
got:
h=4 m=30
